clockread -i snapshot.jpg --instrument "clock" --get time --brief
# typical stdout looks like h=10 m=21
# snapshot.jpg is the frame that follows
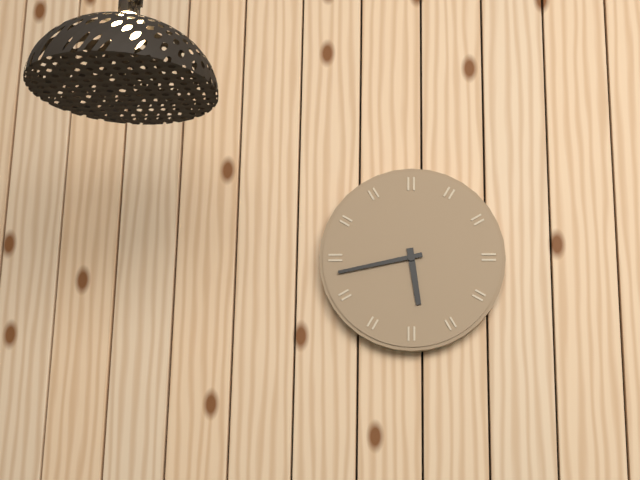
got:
h=5 m=43
